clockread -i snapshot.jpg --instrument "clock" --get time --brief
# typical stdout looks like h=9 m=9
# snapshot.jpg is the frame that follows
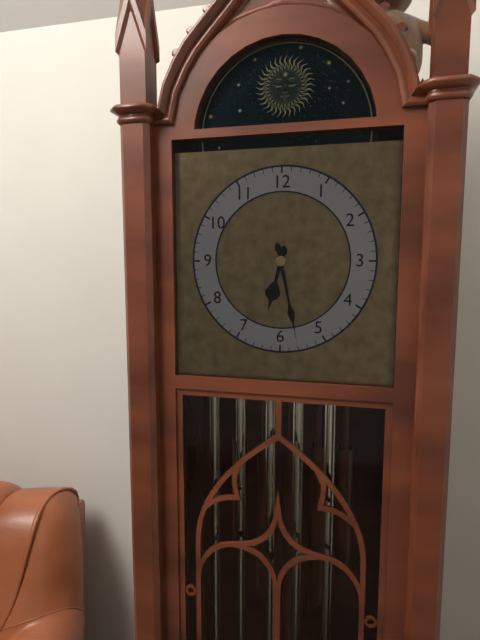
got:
h=6 m=28
